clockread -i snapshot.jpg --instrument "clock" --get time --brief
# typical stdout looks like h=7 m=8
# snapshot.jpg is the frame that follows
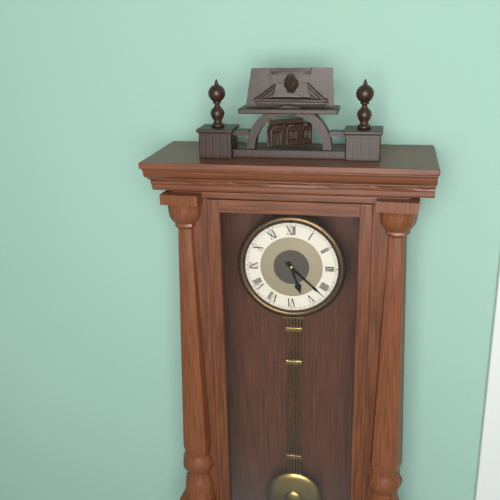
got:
h=5 m=22
